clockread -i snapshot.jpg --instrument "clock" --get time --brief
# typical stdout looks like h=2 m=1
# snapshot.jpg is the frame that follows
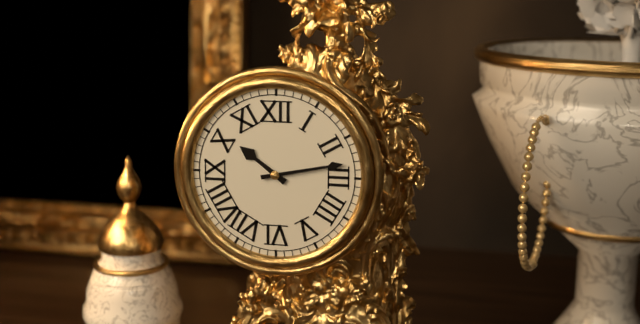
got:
h=10 m=13
